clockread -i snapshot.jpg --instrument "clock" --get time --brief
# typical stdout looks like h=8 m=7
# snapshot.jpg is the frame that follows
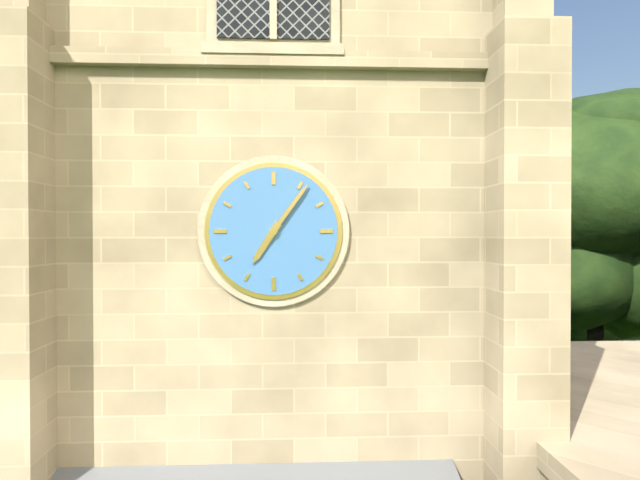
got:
h=7 m=6
